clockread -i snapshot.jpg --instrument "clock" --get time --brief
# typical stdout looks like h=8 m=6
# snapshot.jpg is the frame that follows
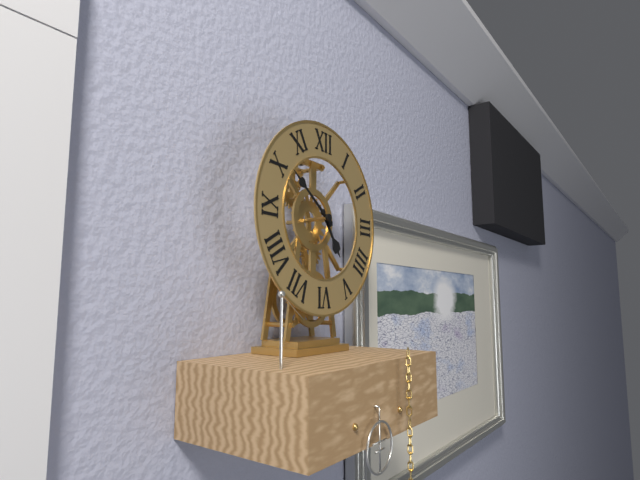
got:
h=4 m=51
